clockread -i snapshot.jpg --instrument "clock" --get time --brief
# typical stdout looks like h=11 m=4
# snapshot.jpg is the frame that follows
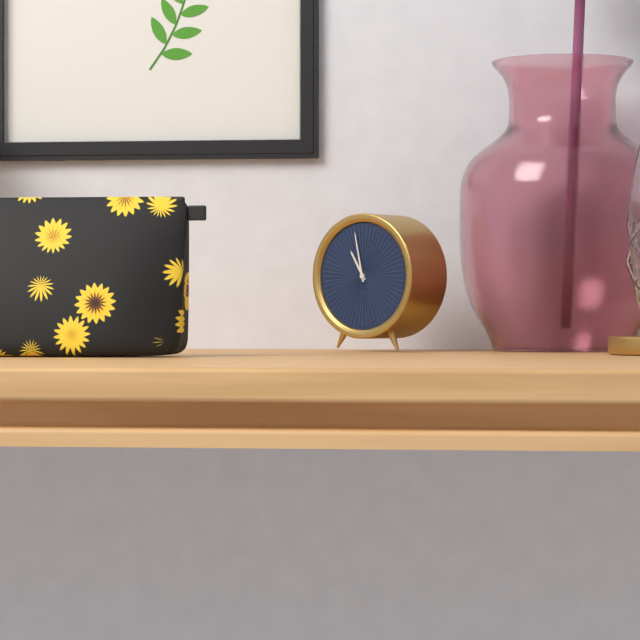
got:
h=10 m=58
